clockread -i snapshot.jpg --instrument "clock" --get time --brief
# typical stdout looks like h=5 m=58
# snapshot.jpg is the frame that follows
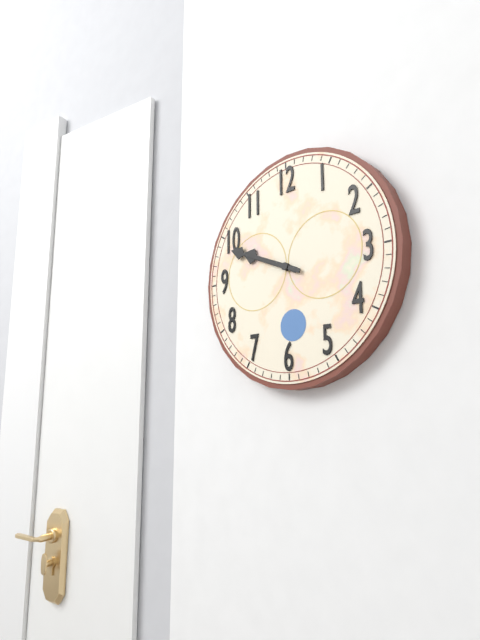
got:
h=9 m=49
